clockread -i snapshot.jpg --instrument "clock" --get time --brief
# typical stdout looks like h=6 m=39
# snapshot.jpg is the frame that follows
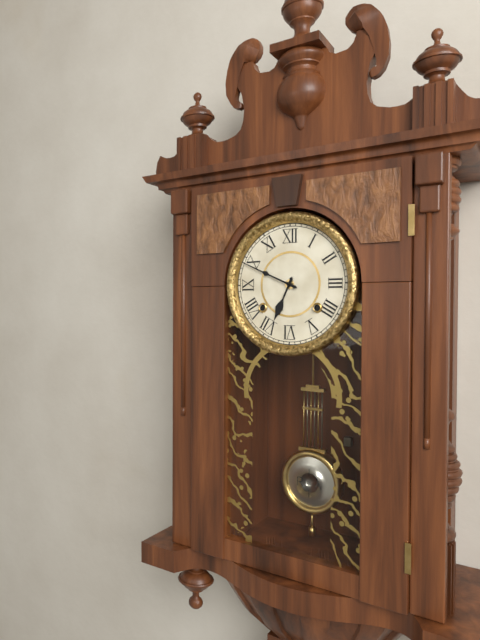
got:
h=6 m=49
